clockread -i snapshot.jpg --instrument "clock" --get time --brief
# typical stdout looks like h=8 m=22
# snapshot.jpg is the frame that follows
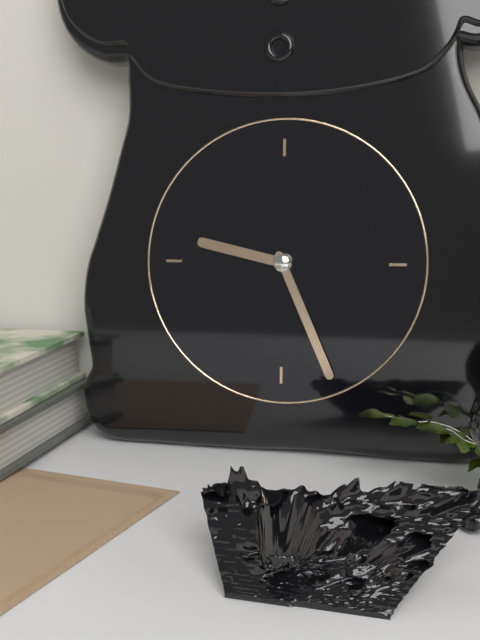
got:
h=9 m=26
